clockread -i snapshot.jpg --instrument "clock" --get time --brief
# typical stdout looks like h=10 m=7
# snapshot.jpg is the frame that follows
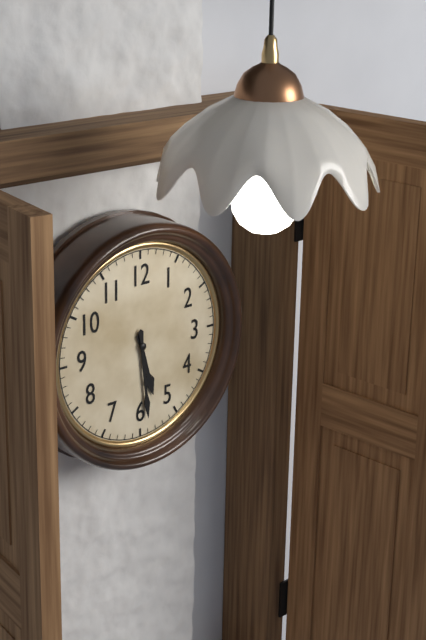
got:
h=5 m=29
